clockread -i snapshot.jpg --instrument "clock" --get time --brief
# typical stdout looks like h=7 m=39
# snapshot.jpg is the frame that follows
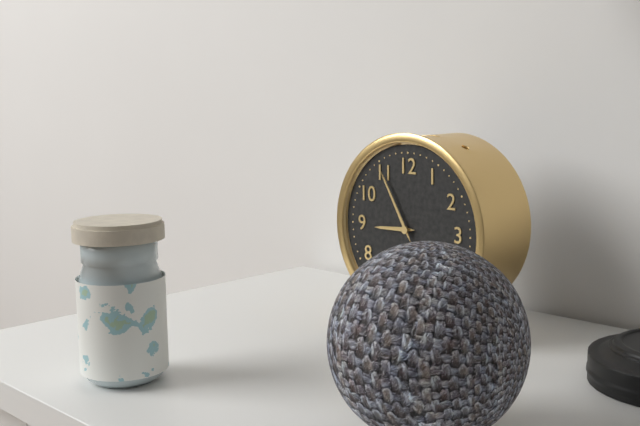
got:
h=8 m=55
